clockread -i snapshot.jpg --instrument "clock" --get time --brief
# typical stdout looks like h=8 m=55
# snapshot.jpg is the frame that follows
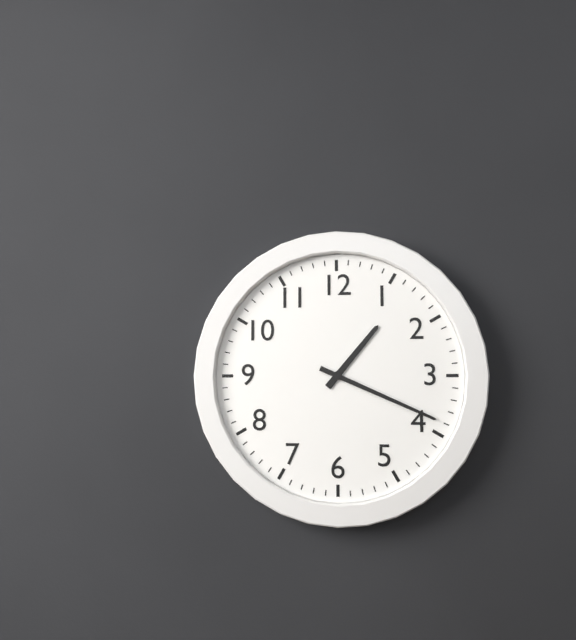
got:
h=1 m=19
